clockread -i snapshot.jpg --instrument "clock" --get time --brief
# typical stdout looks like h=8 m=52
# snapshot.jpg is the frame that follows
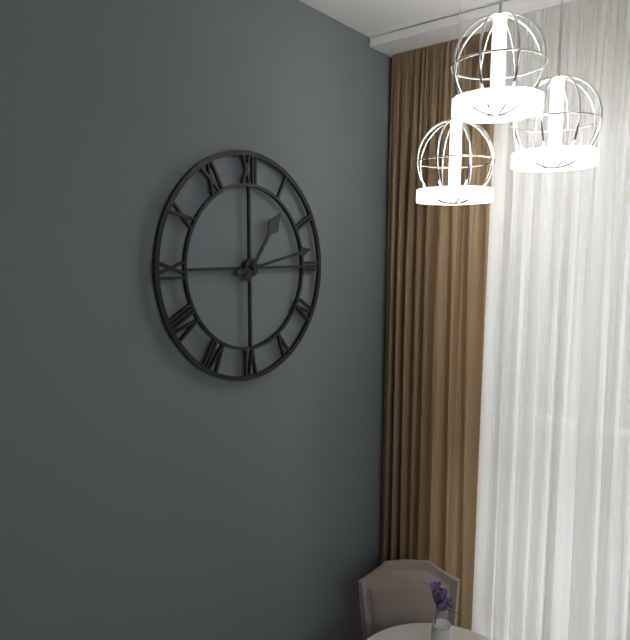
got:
h=1 m=13
